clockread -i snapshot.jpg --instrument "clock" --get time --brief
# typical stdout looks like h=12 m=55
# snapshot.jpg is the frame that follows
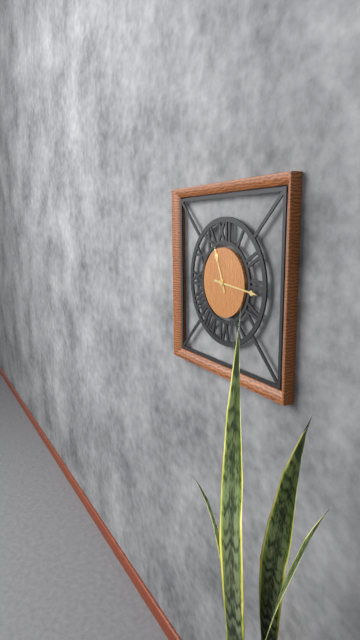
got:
h=11 m=16
